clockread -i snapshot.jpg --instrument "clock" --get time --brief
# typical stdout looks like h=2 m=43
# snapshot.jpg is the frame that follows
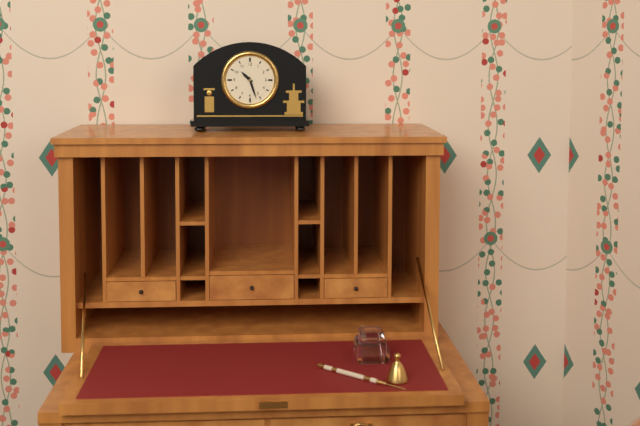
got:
h=10 m=27
